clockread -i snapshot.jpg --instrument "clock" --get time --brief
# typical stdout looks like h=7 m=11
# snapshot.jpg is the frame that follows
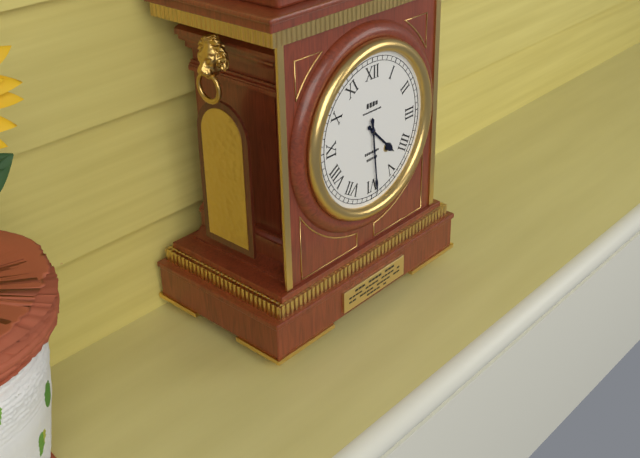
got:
h=4 m=29
